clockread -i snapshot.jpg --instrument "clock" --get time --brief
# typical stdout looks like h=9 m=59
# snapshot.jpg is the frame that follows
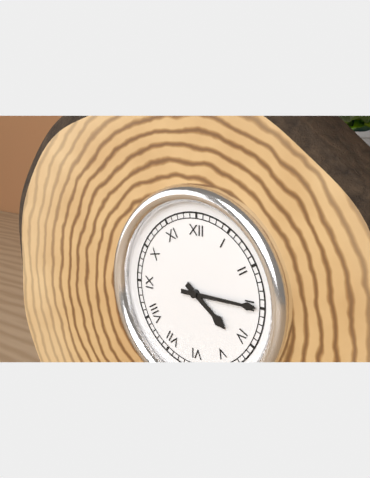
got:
h=4 m=15
